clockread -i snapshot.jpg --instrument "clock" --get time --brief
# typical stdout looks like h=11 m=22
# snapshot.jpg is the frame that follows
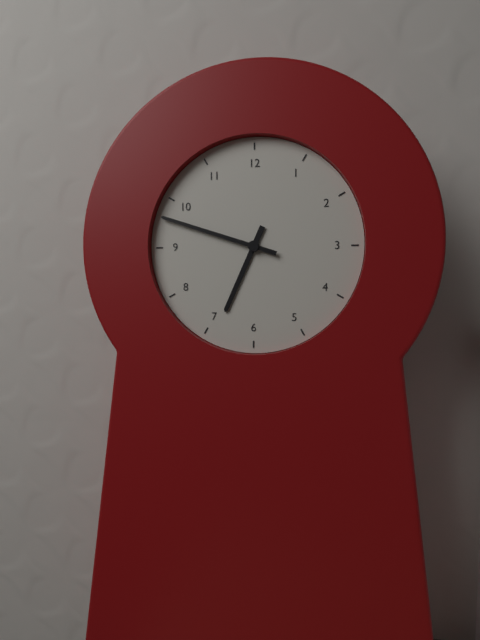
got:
h=6 m=48
